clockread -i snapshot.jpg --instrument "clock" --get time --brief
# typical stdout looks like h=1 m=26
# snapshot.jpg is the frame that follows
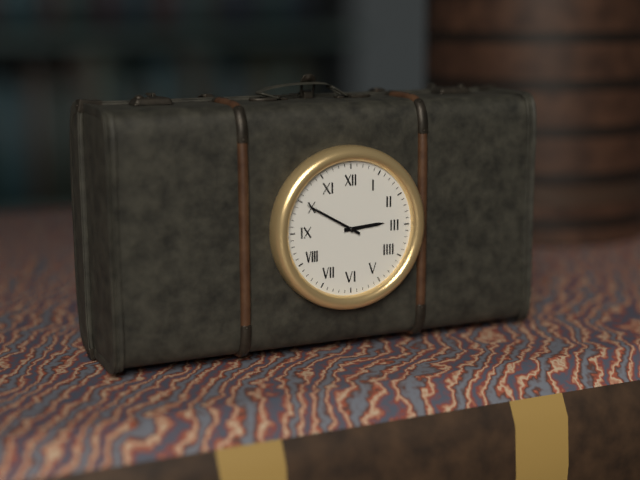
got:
h=2 m=50
